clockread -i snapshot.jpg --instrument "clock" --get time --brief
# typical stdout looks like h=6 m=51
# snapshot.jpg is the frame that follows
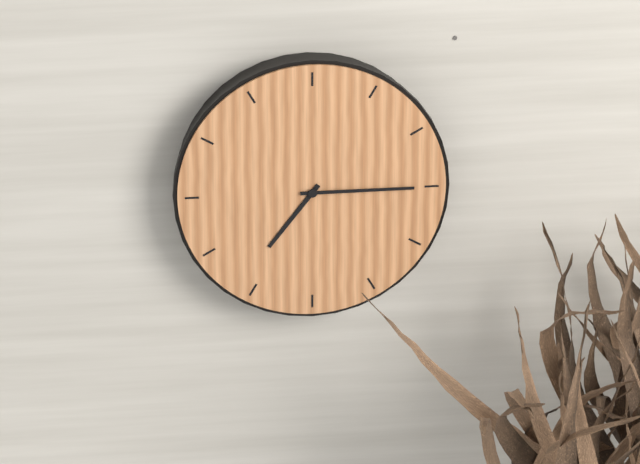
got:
h=7 m=15
